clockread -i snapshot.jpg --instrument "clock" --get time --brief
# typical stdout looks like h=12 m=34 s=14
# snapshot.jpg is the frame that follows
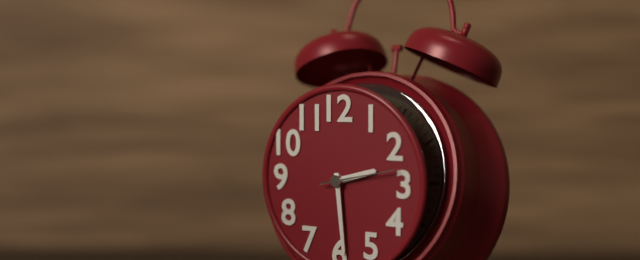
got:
h=2 m=29 s=13
